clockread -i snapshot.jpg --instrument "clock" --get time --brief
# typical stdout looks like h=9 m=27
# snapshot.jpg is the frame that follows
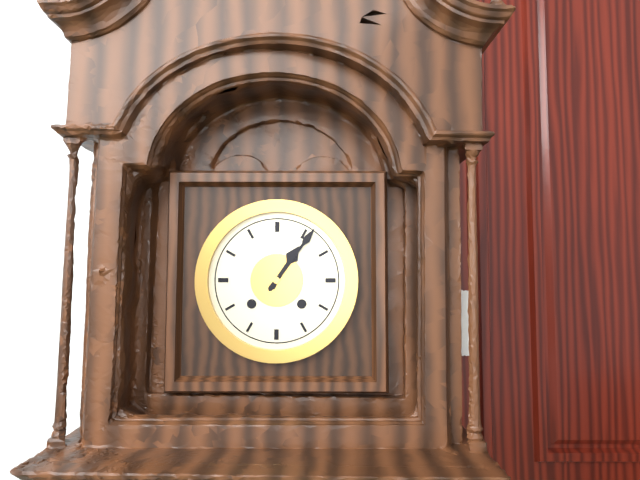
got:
h=1 m=6
